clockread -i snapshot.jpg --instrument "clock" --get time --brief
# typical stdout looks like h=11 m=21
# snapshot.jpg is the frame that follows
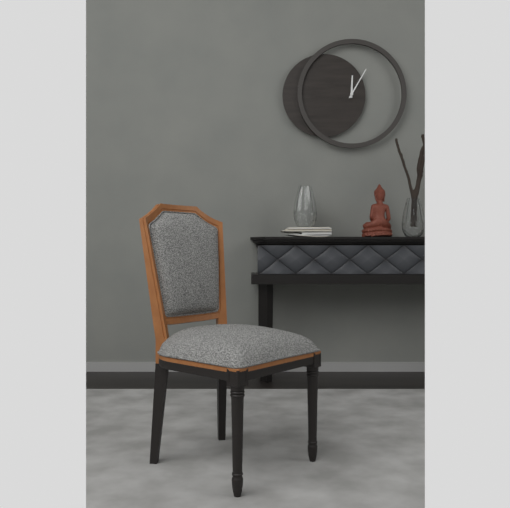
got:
h=12 m=5
